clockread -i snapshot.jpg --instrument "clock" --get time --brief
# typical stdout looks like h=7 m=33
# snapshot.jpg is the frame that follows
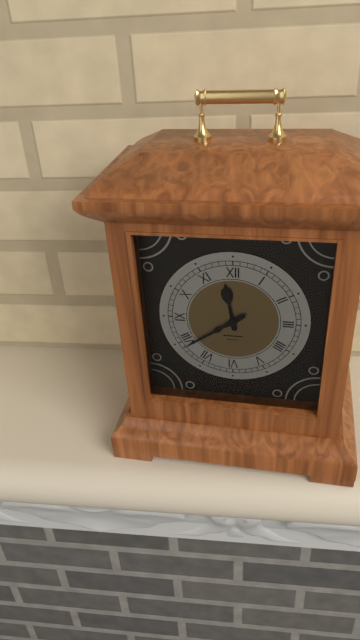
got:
h=11 m=39
